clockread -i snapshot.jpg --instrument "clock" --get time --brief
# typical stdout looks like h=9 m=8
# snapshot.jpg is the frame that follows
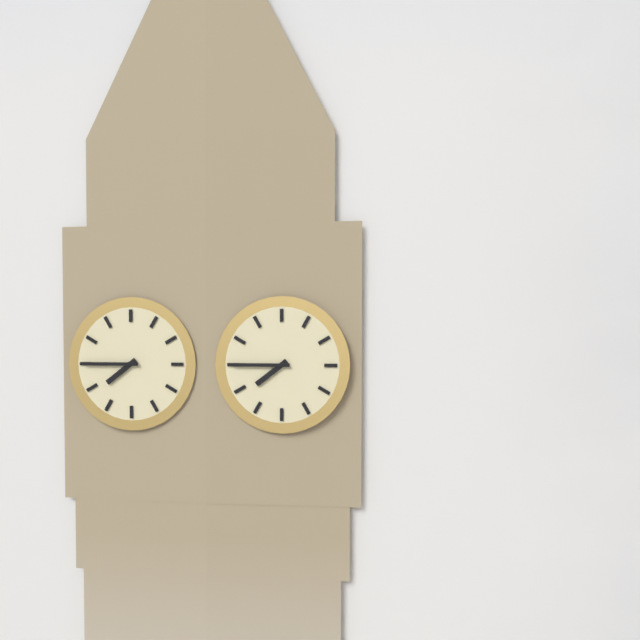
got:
h=7 m=45
